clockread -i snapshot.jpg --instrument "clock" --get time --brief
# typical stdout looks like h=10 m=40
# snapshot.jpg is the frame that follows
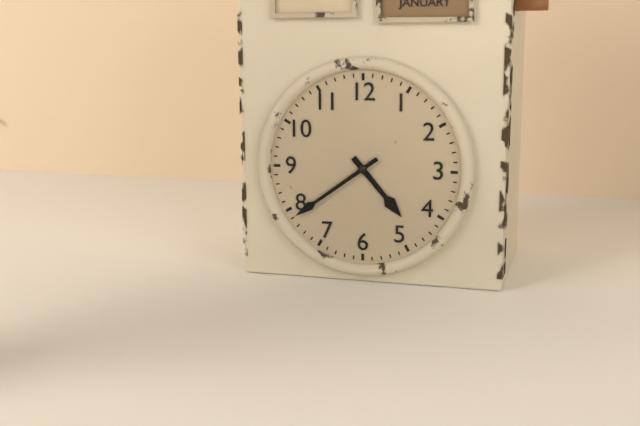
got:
h=4 m=39
